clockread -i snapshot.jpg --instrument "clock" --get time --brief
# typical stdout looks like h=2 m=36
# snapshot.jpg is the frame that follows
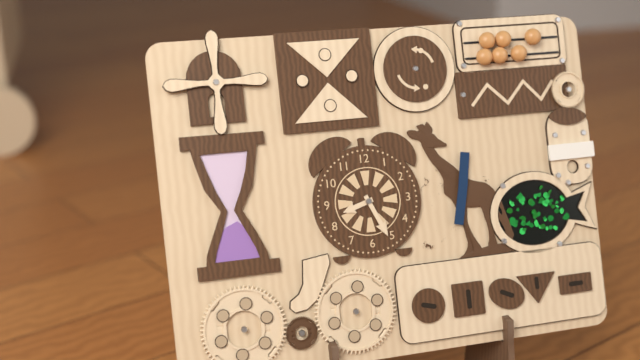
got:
h=8 m=26
